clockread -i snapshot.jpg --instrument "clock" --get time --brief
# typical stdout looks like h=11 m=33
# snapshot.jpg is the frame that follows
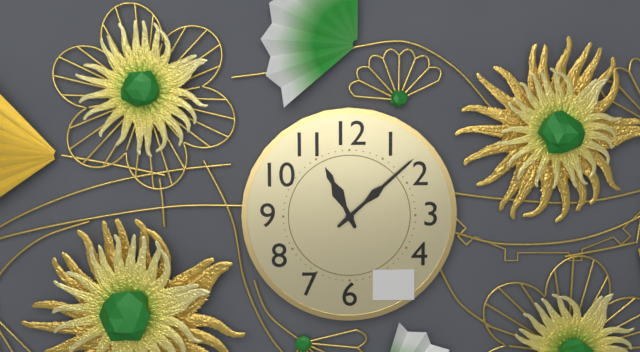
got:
h=11 m=8
